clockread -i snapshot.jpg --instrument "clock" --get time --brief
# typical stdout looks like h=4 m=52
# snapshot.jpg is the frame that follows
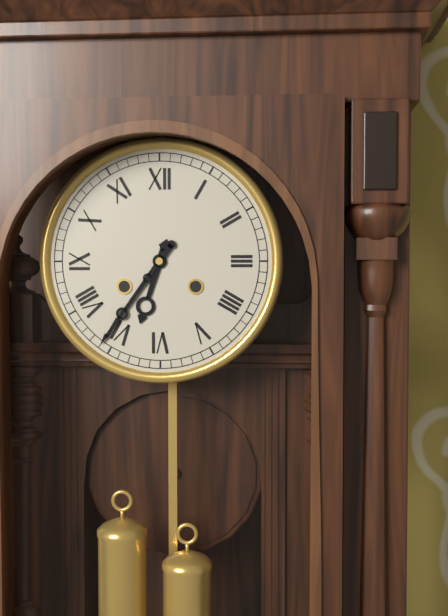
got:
h=6 m=36
